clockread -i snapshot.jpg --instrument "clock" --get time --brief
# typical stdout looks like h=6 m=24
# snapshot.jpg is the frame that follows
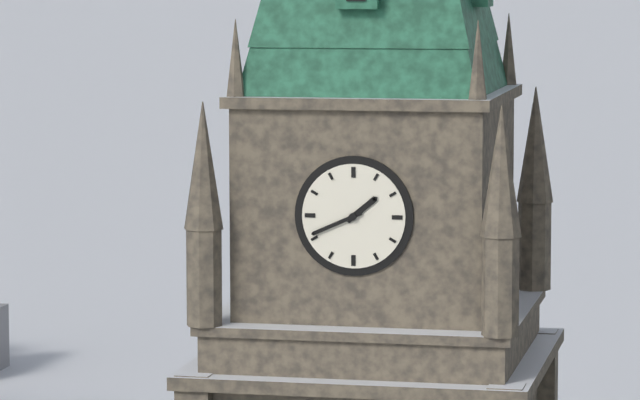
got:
h=1 m=41
